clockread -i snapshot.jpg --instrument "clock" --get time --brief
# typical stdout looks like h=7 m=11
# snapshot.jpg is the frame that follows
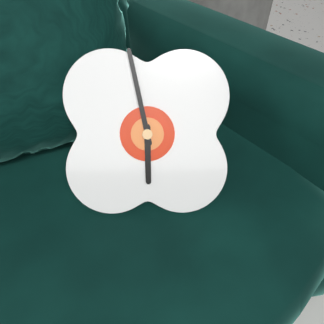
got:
h=5 m=58
